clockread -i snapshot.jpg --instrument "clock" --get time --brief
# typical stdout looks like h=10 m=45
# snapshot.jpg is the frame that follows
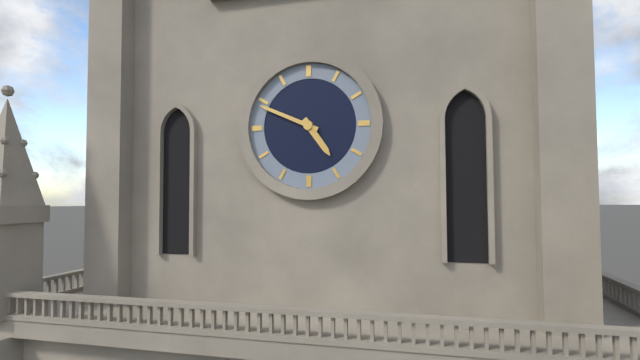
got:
h=4 m=49
